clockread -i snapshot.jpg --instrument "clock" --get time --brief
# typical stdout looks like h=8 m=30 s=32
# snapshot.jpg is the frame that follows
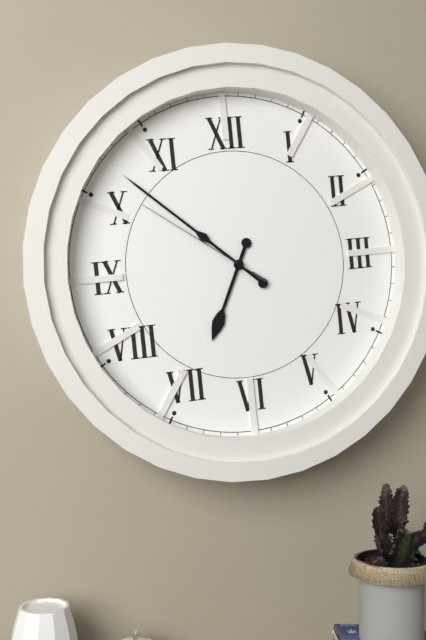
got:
h=6 m=52 s=51
